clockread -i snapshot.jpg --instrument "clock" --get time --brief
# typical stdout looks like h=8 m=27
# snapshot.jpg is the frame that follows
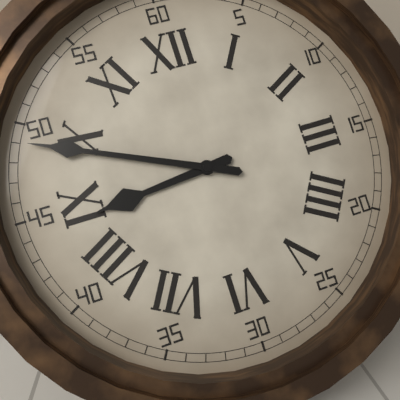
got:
h=8 m=49
